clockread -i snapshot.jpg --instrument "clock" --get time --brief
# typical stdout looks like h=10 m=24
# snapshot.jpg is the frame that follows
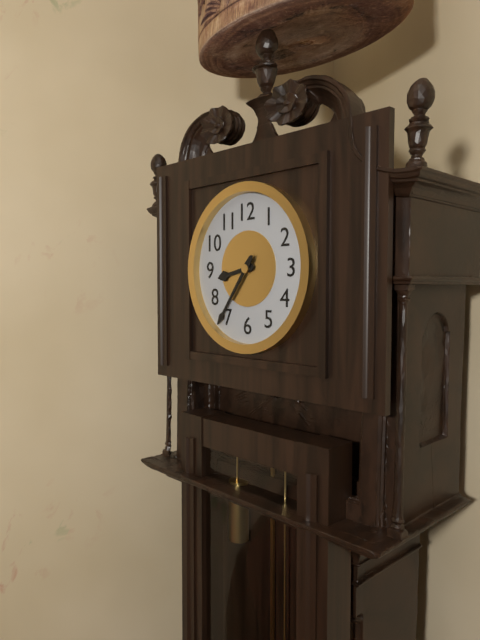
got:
h=8 m=36
